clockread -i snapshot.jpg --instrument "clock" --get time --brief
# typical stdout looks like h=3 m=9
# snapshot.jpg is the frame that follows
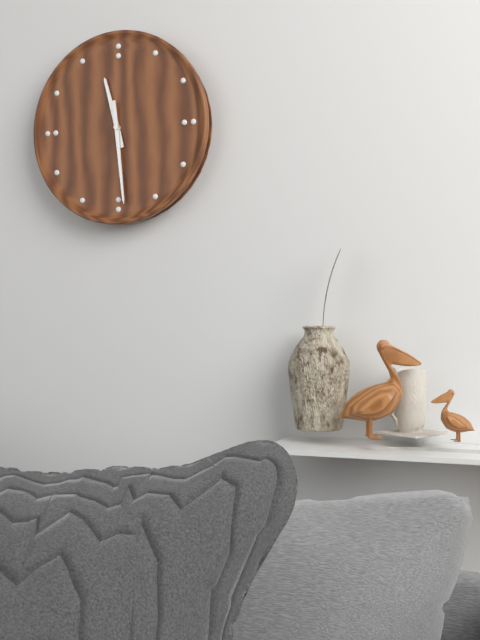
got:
h=11 m=29
